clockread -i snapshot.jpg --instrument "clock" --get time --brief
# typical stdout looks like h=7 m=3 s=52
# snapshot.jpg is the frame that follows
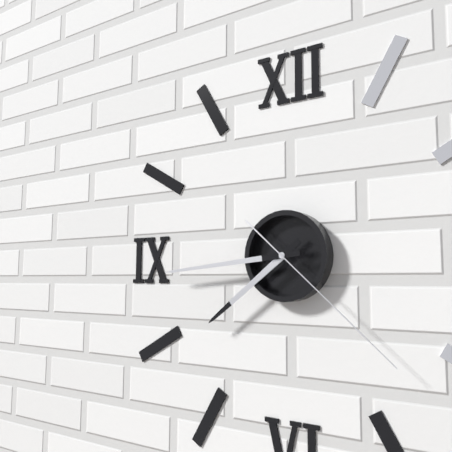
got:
h=7 m=44 s=22
